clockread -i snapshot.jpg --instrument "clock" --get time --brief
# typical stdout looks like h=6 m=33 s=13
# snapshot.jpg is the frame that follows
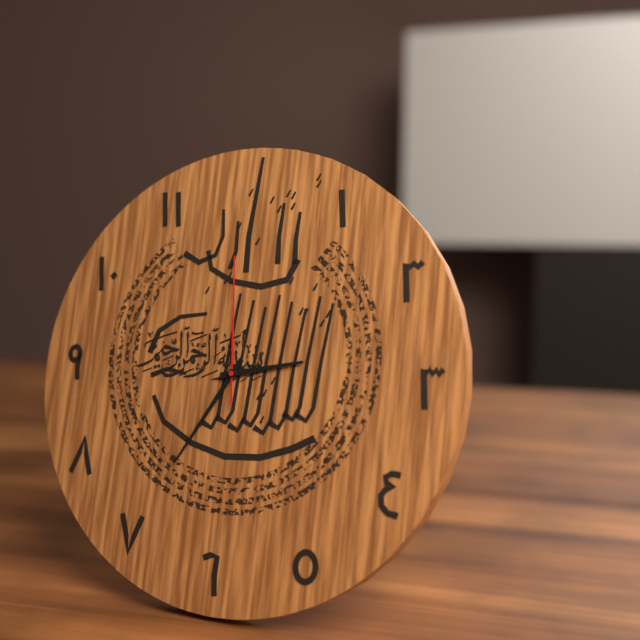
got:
h=2 m=35 s=59
